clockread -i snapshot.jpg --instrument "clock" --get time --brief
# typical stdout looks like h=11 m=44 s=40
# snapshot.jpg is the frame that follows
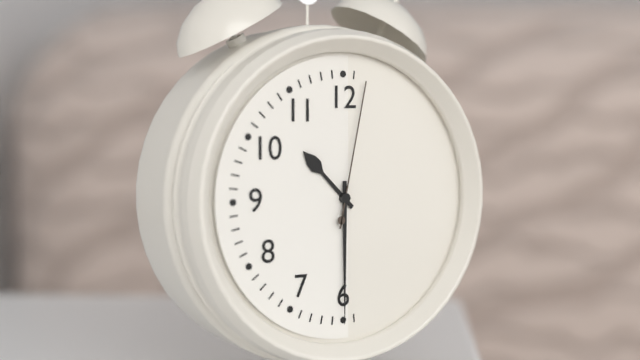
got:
h=10 m=30 s=2
